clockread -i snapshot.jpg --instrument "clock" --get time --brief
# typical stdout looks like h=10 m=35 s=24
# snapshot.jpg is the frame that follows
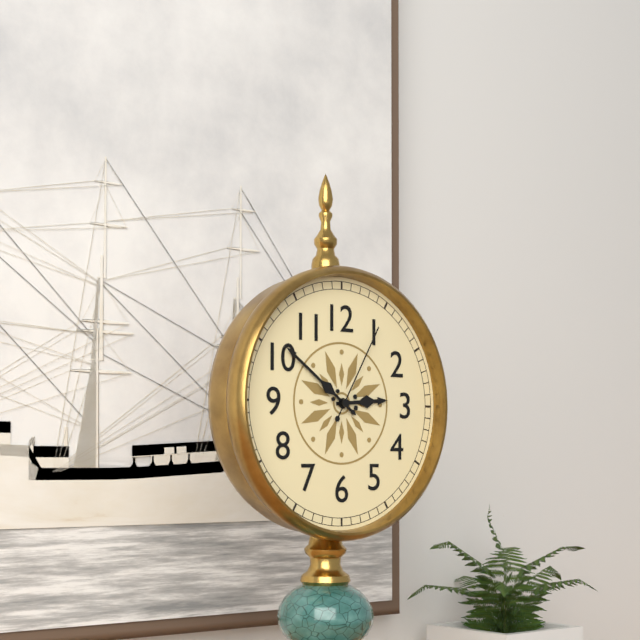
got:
h=2 m=51 s=5
